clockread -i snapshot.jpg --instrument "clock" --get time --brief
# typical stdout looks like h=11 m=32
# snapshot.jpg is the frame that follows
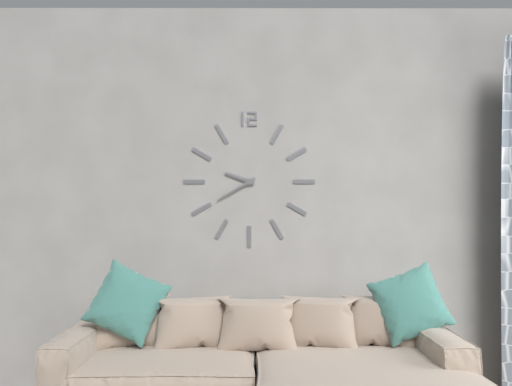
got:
h=9 m=40
